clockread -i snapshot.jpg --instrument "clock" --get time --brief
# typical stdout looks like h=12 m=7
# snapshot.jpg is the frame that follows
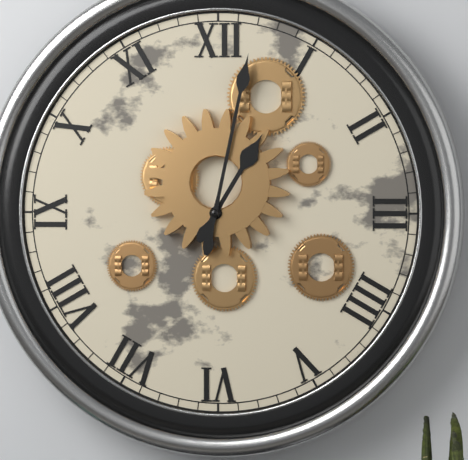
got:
h=1 m=2
